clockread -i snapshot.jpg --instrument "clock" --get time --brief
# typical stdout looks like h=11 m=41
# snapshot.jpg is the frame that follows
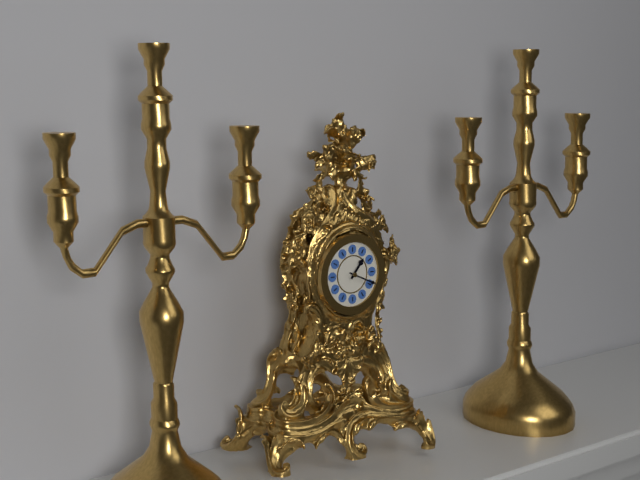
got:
h=1 m=19
